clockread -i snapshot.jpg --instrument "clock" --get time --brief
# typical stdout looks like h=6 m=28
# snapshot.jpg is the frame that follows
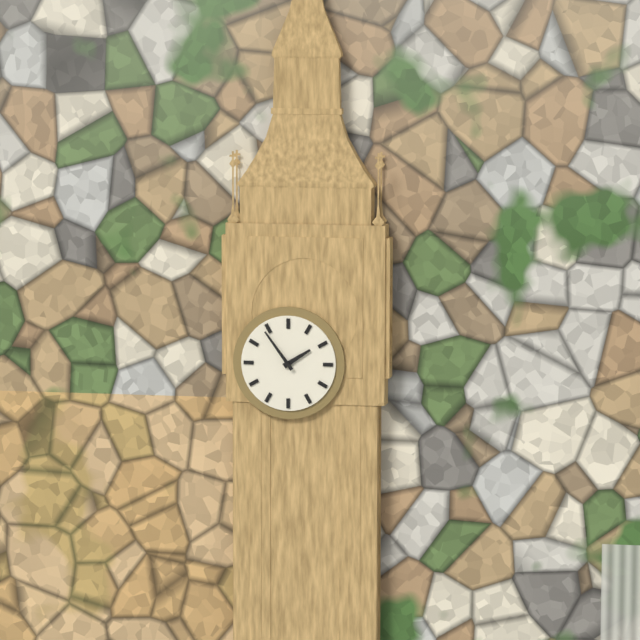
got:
h=1 m=54
